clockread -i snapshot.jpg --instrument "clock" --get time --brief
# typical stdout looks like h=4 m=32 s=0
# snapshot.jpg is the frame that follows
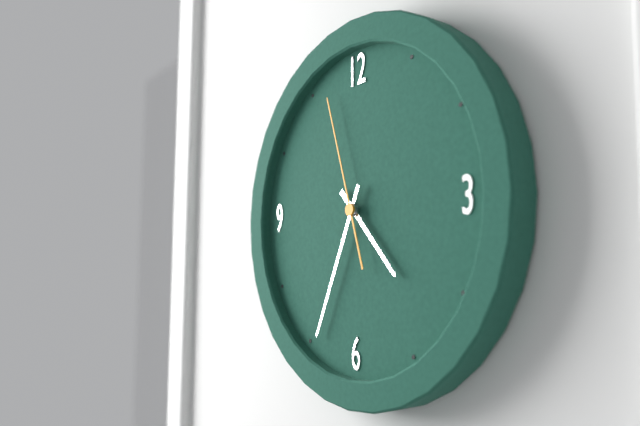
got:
h=4 m=34 s=57
